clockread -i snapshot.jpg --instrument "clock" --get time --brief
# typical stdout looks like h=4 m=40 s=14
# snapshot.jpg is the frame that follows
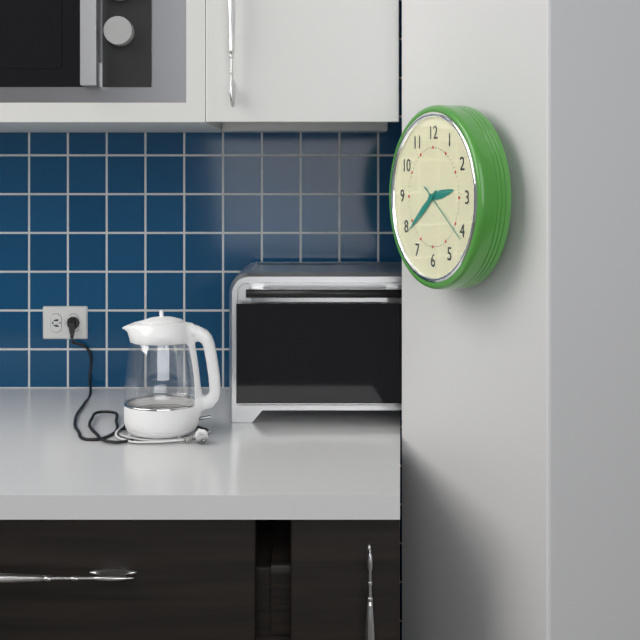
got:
h=2 m=39 s=21
